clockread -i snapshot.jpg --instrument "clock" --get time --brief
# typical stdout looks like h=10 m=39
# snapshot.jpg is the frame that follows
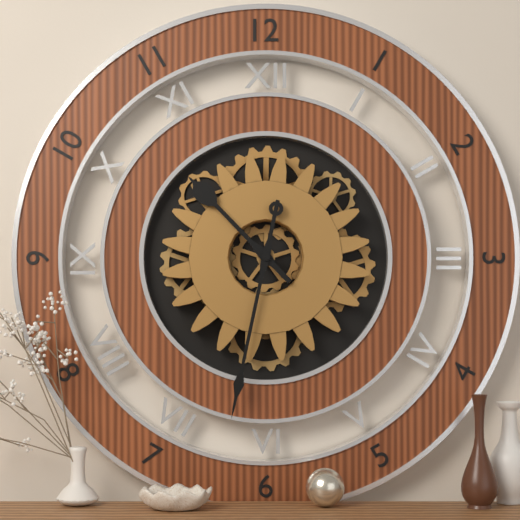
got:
h=10 m=32
